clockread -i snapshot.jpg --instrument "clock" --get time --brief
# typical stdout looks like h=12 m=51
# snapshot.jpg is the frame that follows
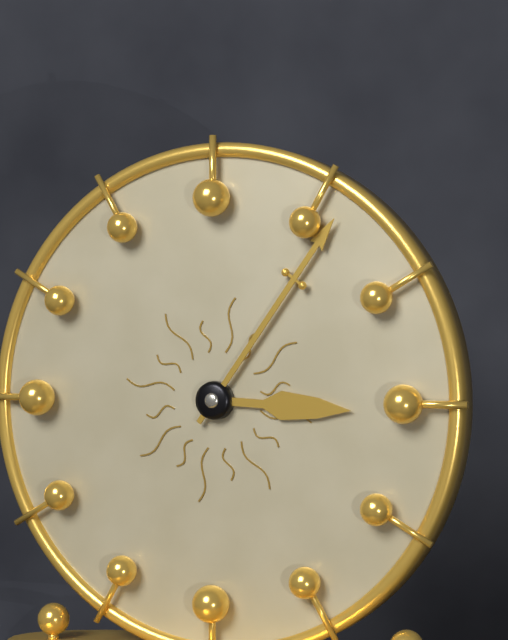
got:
h=3 m=6
